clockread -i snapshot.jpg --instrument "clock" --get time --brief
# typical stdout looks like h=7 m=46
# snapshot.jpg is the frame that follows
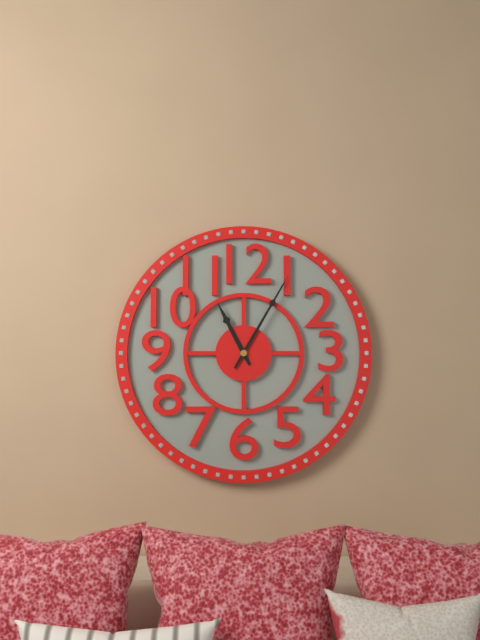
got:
h=11 m=5
